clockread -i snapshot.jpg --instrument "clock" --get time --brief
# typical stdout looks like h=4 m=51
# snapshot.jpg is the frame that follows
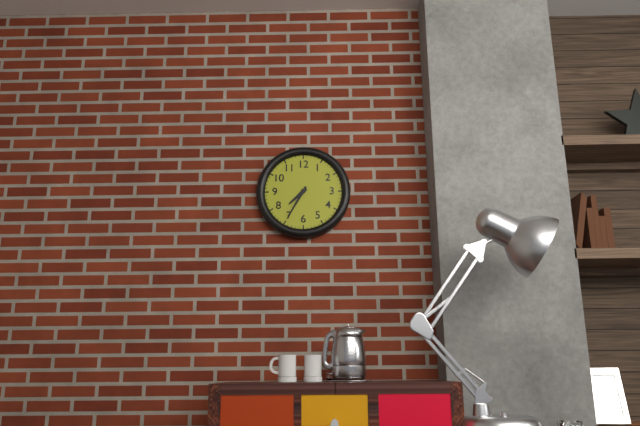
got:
h=7 m=35
